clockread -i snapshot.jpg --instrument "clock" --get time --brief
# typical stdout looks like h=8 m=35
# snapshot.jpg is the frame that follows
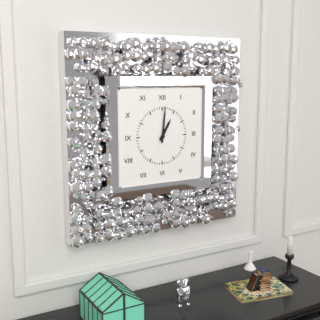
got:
h=1 m=1
